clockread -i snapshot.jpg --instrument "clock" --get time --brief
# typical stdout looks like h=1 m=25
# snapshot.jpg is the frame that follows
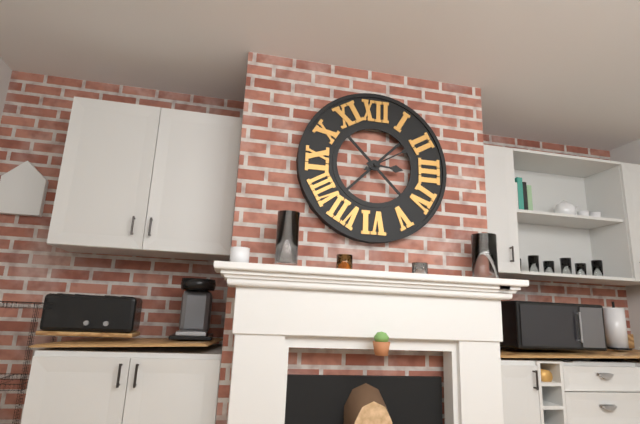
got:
h=3 m=10
